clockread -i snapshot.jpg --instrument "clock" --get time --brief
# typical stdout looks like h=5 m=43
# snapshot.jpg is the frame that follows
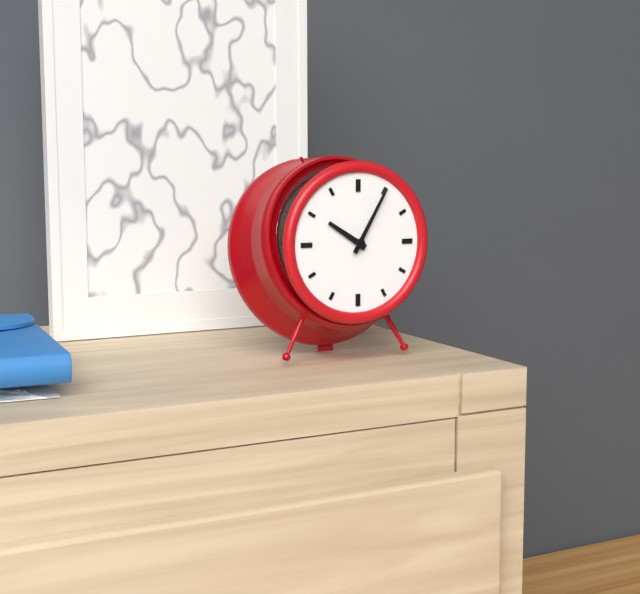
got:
h=10 m=5
